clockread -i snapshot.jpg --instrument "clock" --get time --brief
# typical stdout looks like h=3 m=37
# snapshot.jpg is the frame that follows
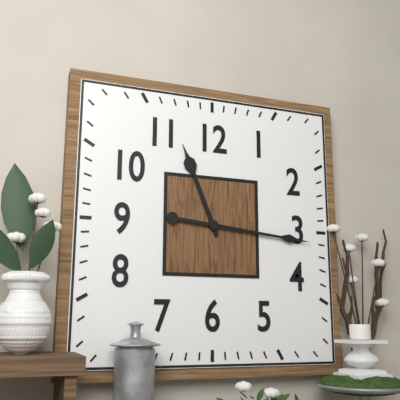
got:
h=11 m=16
